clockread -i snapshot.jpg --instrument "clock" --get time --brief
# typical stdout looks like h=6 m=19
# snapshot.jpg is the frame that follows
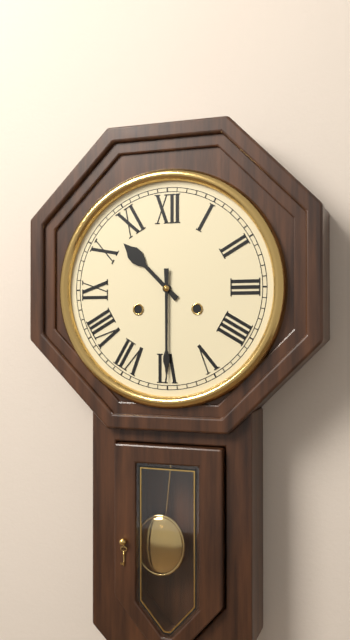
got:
h=10 m=30
